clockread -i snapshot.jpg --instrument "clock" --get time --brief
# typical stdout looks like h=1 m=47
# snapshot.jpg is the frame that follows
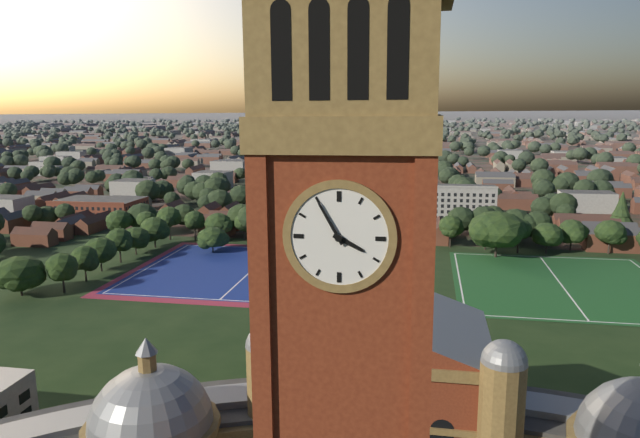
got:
h=3 m=55
